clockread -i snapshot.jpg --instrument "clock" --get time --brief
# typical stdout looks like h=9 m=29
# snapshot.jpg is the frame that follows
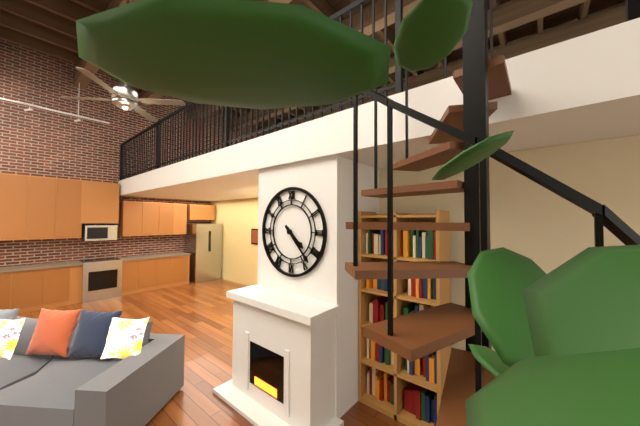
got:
h=4 m=23
